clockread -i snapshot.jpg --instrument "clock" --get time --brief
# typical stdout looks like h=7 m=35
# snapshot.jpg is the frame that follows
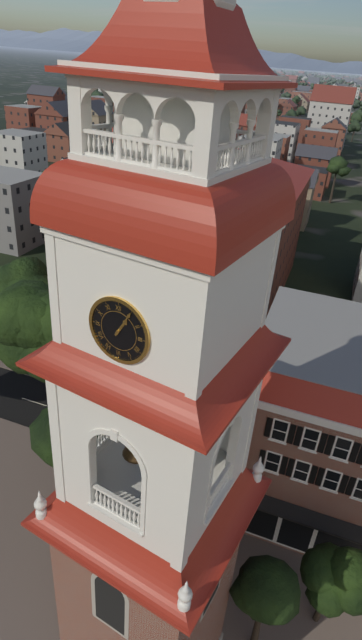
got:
h=1 m=5
